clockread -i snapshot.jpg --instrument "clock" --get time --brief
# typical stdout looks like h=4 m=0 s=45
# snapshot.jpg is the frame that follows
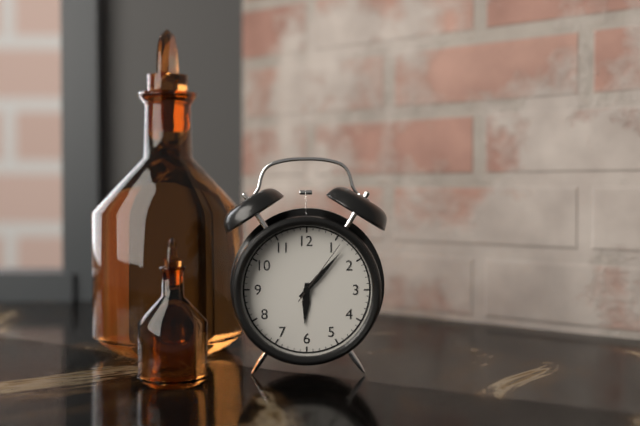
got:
h=6 m=7 s=6
